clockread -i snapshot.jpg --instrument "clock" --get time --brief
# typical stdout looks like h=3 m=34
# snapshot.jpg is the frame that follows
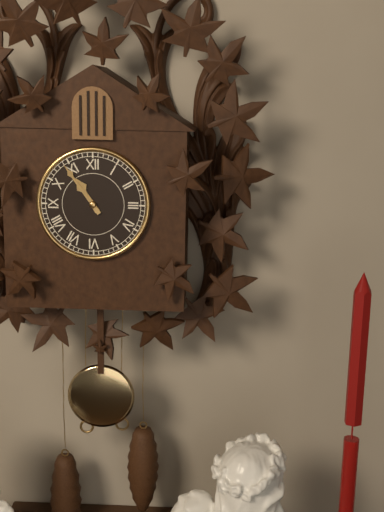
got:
h=10 m=54
